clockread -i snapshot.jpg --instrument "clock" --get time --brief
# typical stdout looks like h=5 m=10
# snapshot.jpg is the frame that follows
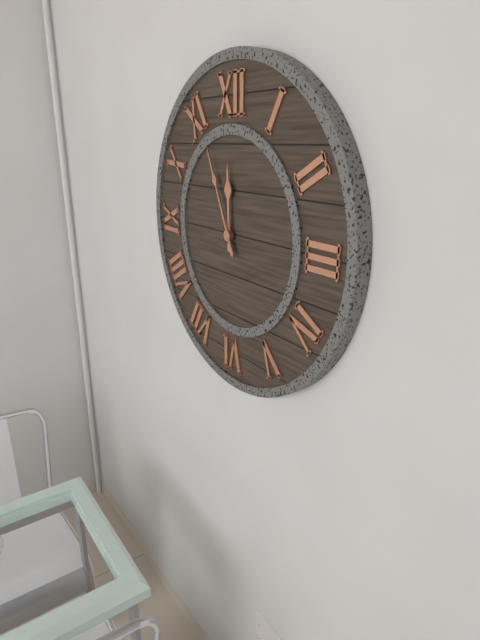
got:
h=11 m=56
